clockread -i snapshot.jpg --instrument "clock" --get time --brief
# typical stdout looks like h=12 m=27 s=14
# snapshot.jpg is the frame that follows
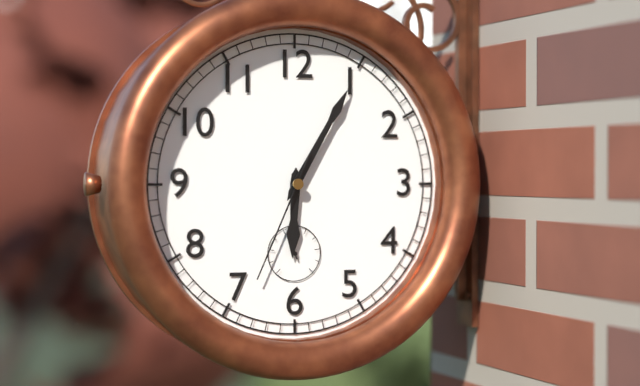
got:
h=6 m=5 s=34
